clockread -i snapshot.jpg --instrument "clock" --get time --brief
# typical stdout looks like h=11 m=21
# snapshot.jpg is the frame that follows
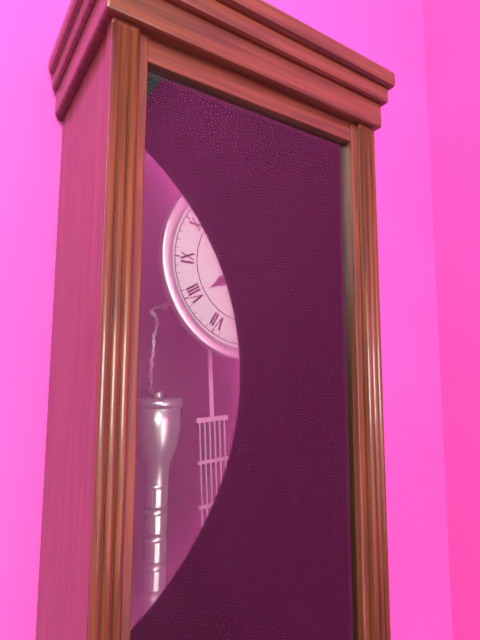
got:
h=7 m=57
